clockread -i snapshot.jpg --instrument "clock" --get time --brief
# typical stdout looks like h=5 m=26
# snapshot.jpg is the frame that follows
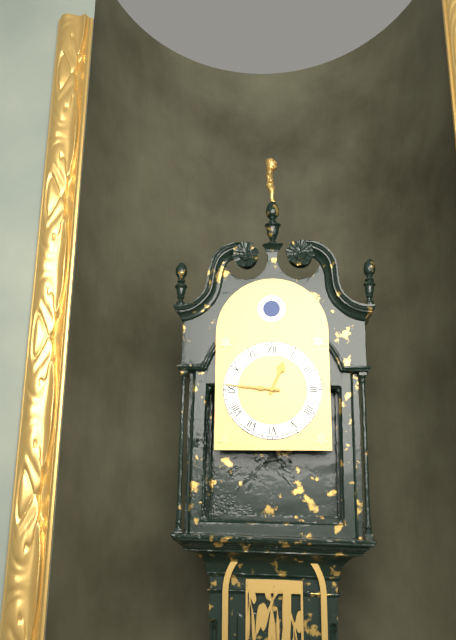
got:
h=12 m=46
